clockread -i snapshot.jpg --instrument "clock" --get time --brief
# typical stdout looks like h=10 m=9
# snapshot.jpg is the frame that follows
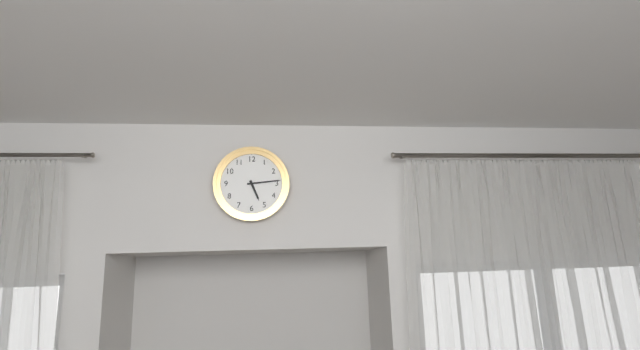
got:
h=5 m=14
